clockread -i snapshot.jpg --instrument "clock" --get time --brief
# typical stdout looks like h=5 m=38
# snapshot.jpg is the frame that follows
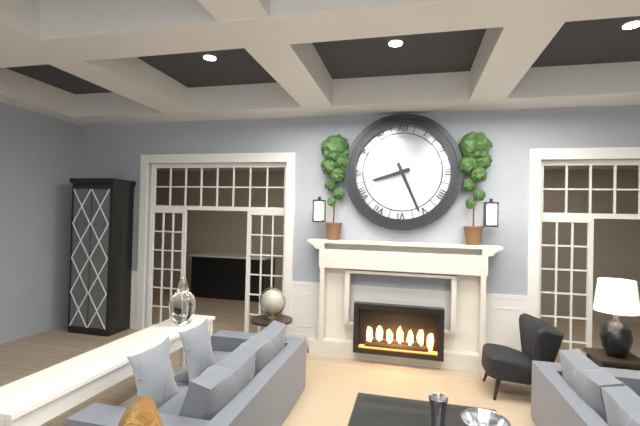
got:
h=8 m=26
